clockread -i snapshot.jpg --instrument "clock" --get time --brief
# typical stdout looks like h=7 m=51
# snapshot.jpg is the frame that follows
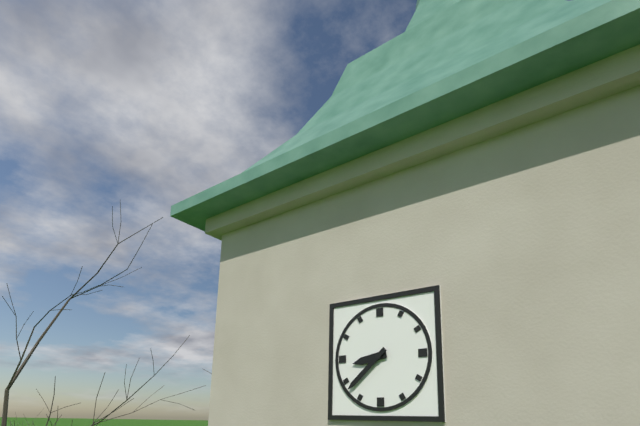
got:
h=8 m=38
